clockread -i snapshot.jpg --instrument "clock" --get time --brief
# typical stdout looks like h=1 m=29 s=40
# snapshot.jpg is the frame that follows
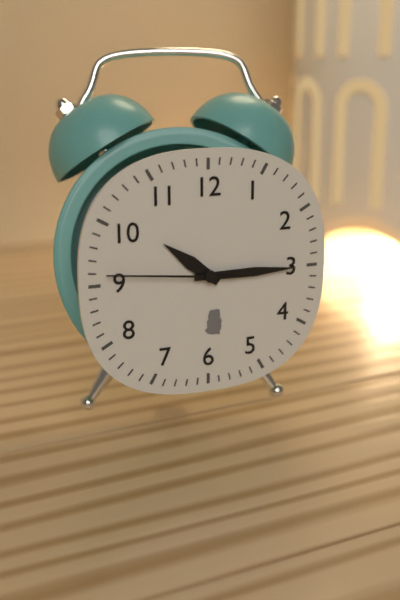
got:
h=10 m=15 s=46
